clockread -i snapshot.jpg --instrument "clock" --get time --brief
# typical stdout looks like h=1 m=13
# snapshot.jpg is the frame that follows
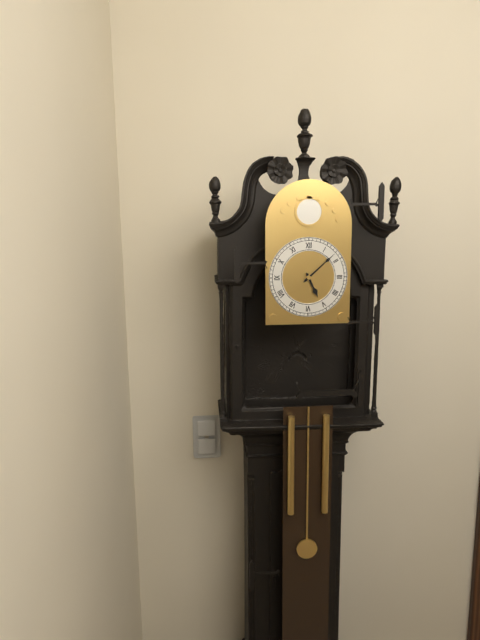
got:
h=5 m=8
